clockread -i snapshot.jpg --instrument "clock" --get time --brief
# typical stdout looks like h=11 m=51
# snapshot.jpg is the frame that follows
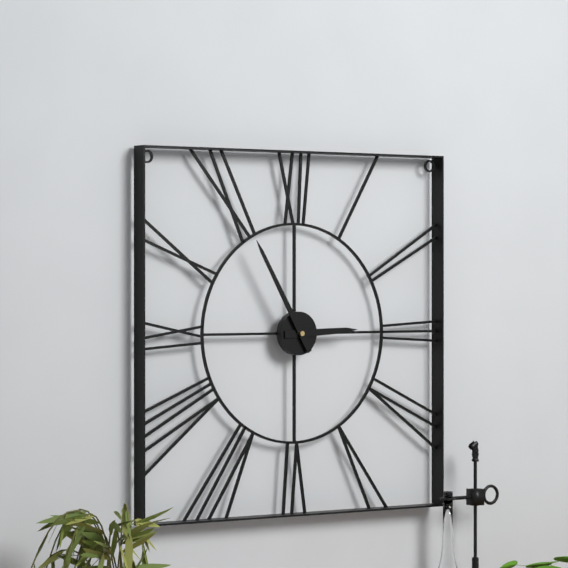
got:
h=2 m=55
